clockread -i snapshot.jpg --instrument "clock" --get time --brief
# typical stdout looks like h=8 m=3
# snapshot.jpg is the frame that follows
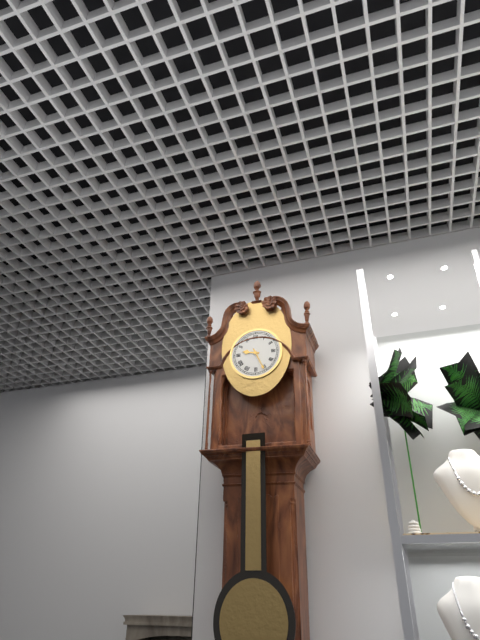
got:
h=9 m=26
